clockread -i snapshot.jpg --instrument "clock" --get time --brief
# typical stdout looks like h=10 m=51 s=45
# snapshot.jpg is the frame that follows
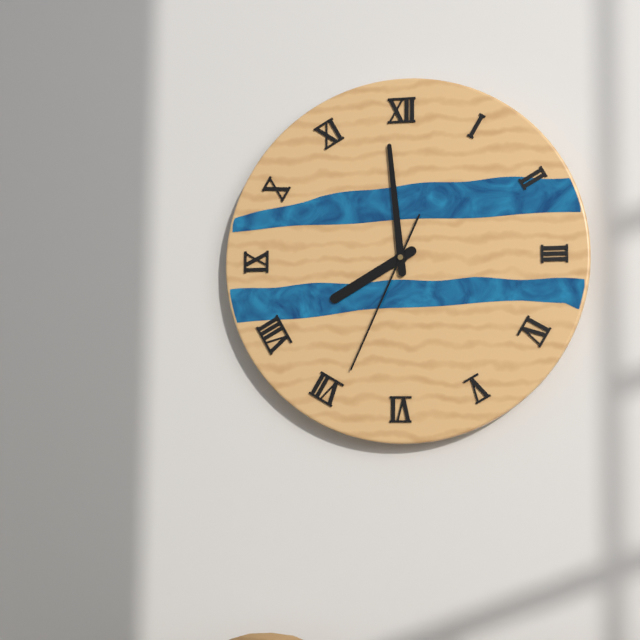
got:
h=7 m=59 s=34
